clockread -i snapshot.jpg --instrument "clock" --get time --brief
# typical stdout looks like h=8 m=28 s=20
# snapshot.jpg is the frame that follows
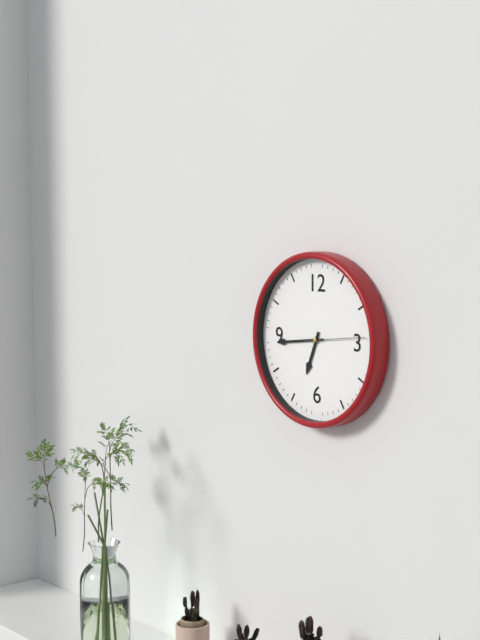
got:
h=6 m=44 s=14
